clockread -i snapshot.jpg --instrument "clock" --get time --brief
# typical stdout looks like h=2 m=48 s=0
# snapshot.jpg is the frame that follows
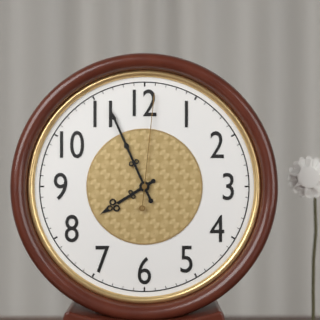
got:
h=7 m=56 s=1
